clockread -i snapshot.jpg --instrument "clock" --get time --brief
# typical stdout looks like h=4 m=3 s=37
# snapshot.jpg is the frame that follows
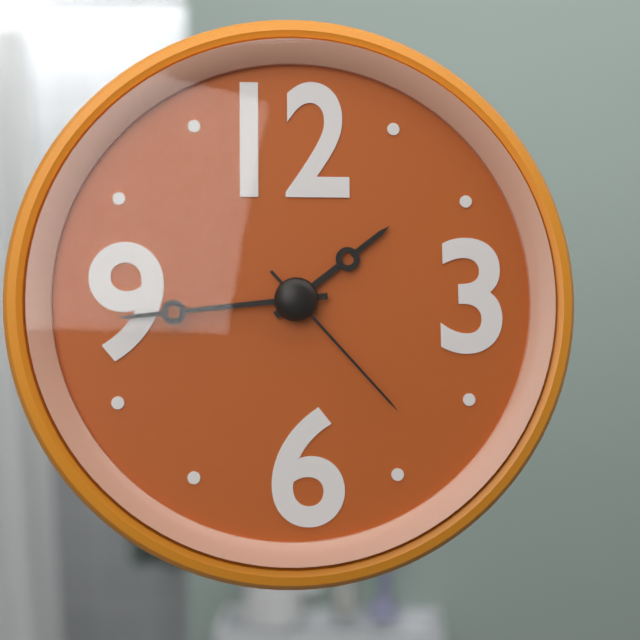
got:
h=1 m=44 s=23
